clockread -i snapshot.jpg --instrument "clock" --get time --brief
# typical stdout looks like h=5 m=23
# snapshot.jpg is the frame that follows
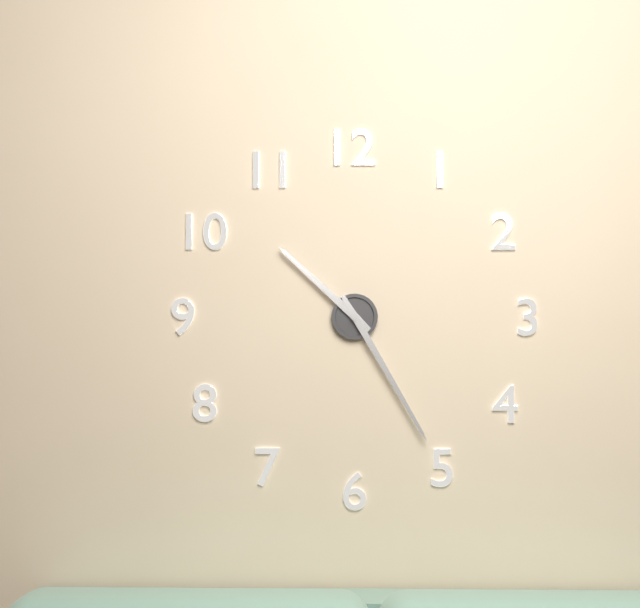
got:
h=10 m=25
